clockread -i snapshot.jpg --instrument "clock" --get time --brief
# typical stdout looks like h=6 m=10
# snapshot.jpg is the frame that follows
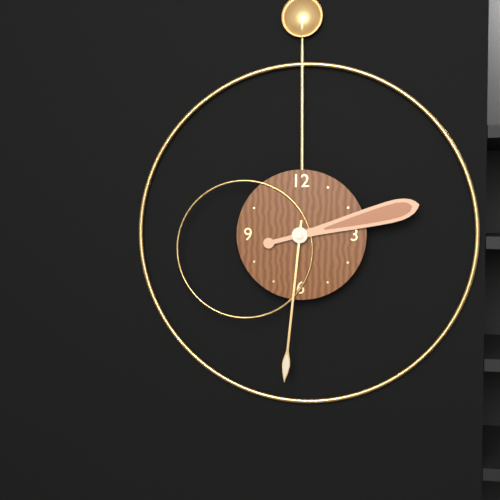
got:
h=2 m=31
